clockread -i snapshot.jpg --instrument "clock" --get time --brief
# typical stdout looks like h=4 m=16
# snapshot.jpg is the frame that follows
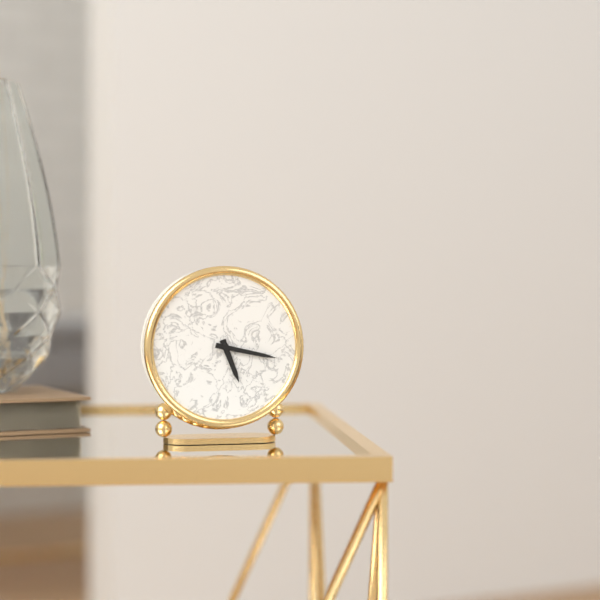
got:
h=5 m=17
